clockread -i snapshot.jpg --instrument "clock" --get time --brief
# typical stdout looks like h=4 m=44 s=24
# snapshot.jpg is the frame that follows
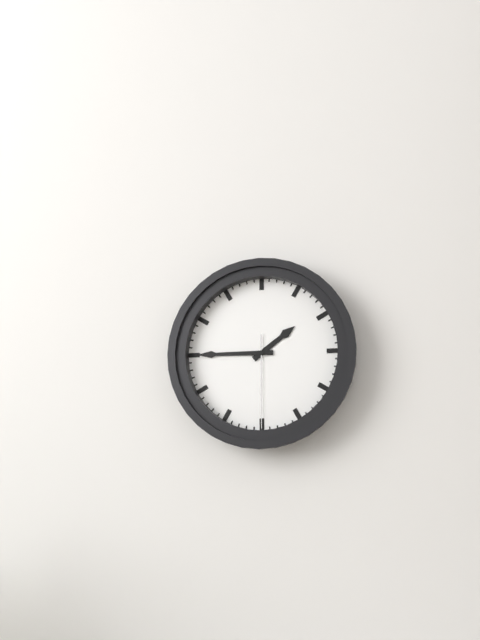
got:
h=1 m=45 s=30
